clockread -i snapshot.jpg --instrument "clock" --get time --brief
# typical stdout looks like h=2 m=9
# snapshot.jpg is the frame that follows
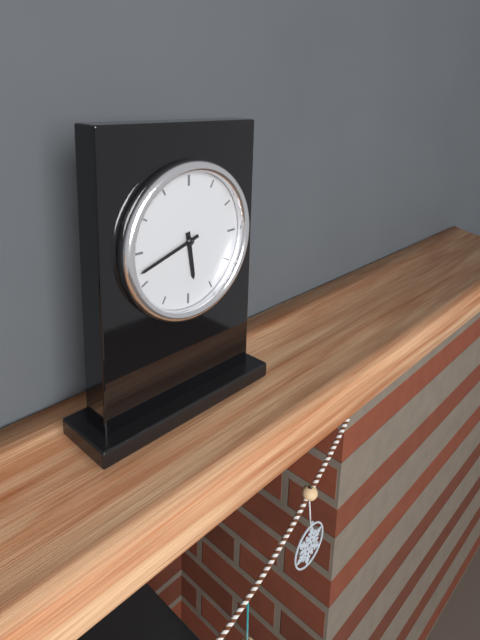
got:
h=5 m=42
